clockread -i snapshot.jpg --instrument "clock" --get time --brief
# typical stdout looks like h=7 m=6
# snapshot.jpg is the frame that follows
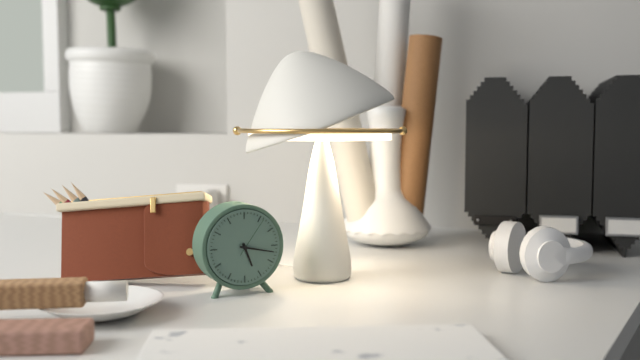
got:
h=5 m=17
